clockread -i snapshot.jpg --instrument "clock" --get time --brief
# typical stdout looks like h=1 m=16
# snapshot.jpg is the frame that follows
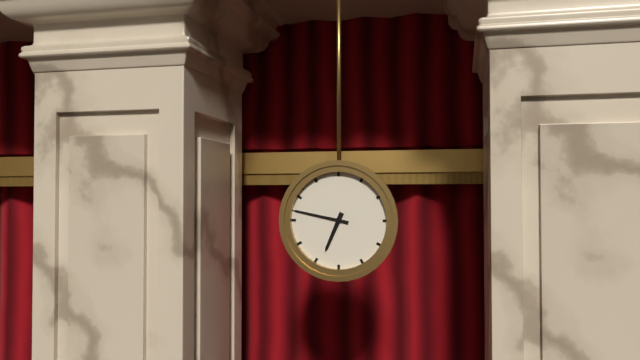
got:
h=6 m=47
